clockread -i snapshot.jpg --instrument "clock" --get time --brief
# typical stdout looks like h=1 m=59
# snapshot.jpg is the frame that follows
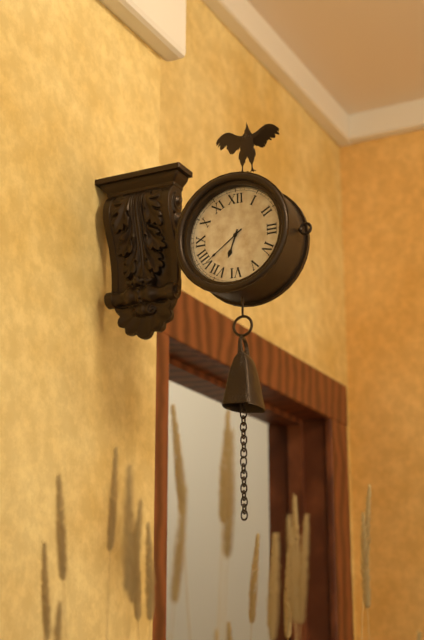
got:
h=6 m=39
